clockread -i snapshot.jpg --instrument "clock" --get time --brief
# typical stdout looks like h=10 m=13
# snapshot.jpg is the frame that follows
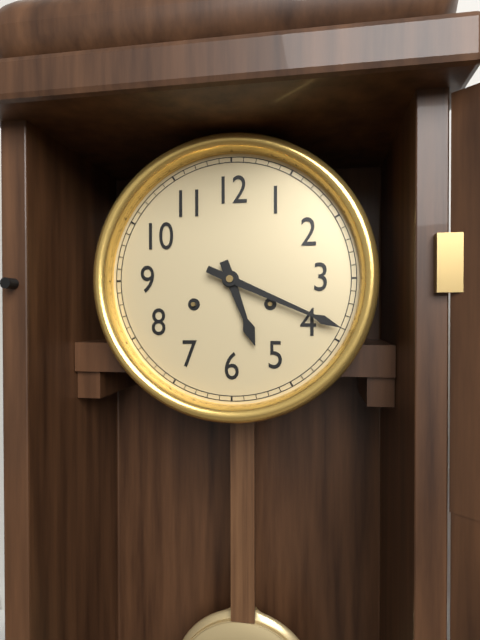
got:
h=5 m=19
